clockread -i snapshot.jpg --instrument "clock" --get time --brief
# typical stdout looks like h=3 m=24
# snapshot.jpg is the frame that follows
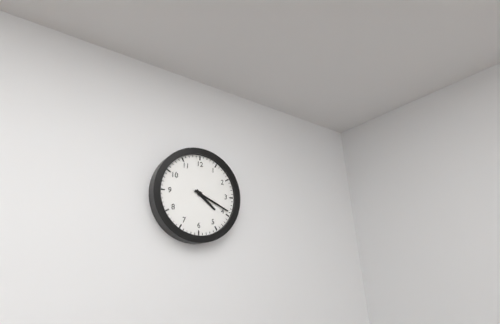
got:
h=4 m=19
